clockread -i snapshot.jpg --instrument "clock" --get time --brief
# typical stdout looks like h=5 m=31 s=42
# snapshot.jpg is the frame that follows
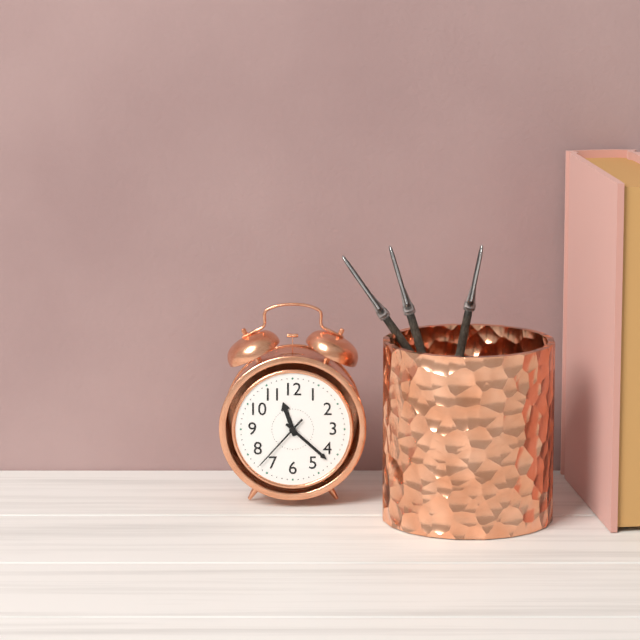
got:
h=11 m=22 s=37
